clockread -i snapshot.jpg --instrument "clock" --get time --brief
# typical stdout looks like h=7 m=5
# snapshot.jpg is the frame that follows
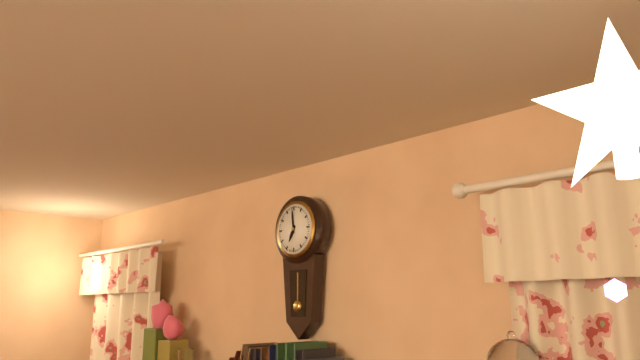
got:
h=6 m=59
